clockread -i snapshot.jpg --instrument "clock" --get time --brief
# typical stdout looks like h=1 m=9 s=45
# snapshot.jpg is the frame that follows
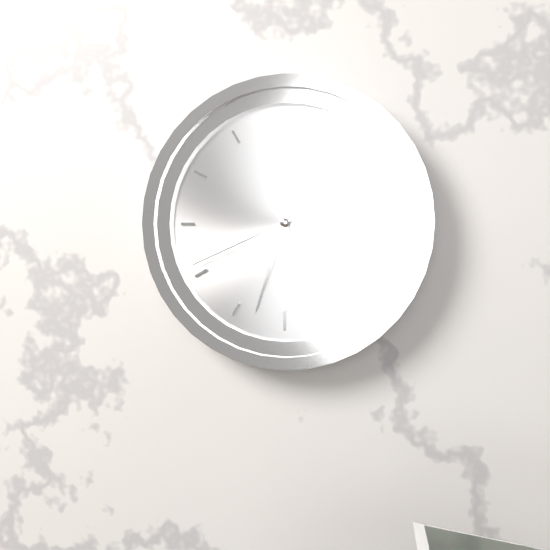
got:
h=11 m=33 s=41
